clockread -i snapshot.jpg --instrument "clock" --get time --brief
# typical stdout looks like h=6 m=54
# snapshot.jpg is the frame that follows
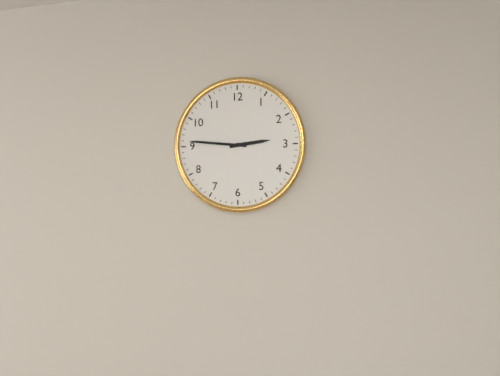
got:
h=2 m=46
